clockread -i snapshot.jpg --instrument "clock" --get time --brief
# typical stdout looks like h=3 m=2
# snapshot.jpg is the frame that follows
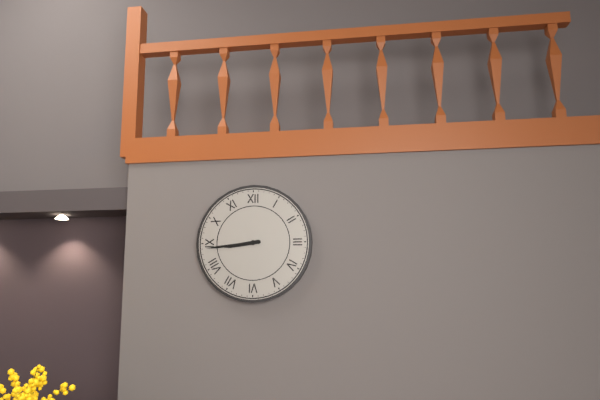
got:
h=8 m=44
